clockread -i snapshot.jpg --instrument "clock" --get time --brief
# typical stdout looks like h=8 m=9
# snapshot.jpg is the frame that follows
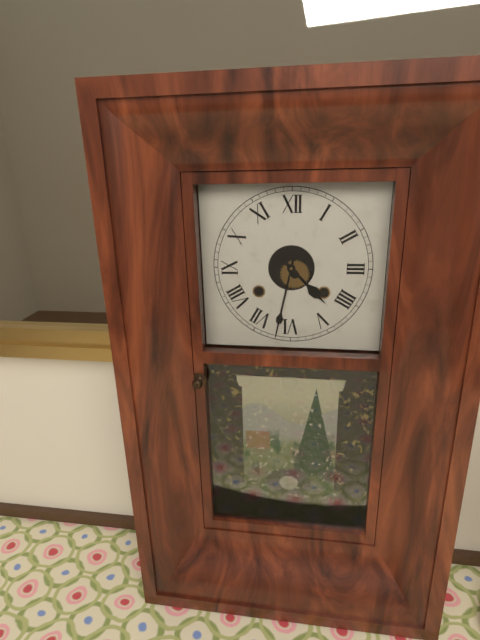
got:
h=4 m=32
